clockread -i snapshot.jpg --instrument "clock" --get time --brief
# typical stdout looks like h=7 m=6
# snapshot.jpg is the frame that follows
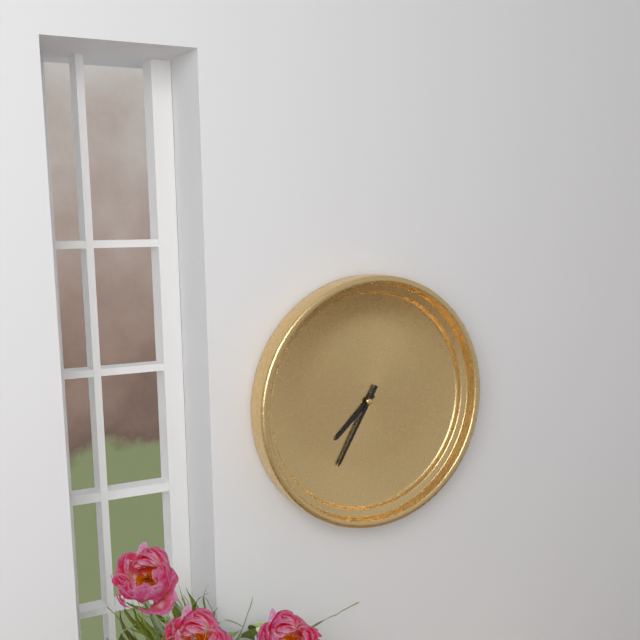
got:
h=7 m=35
